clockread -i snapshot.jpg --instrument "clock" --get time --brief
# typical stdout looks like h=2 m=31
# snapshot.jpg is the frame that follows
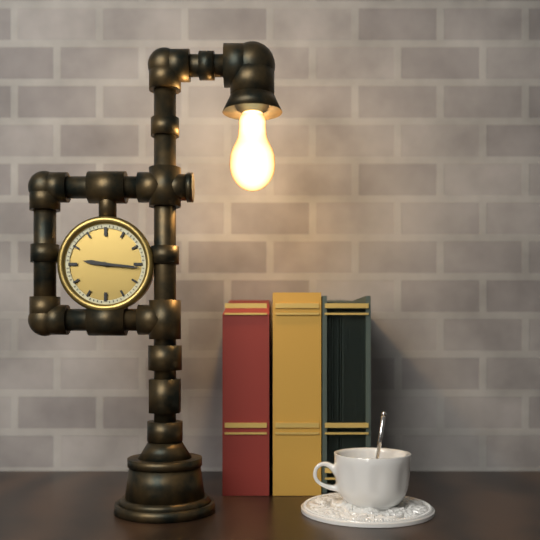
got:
h=9 m=16
